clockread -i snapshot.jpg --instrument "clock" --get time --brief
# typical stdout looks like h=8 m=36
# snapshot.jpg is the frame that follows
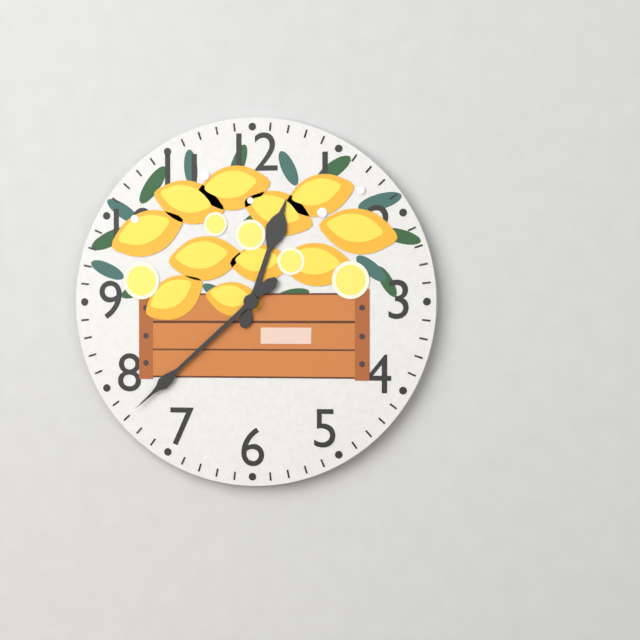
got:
h=12 m=38
